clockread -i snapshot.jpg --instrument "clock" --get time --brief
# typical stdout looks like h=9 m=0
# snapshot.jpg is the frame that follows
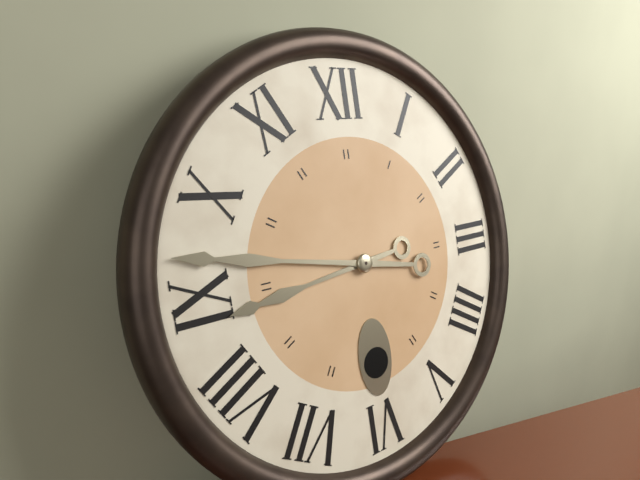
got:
h=8 m=47
